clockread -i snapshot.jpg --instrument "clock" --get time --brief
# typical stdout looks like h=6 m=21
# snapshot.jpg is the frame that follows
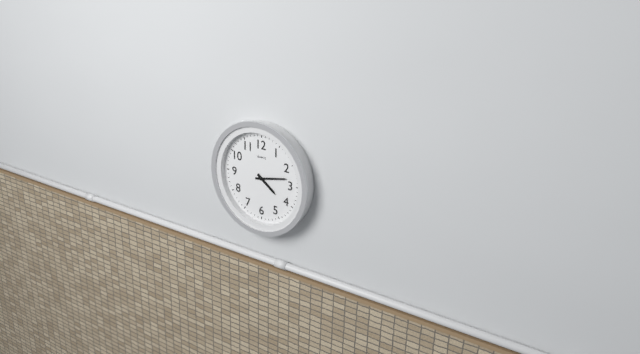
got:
h=4 m=13
